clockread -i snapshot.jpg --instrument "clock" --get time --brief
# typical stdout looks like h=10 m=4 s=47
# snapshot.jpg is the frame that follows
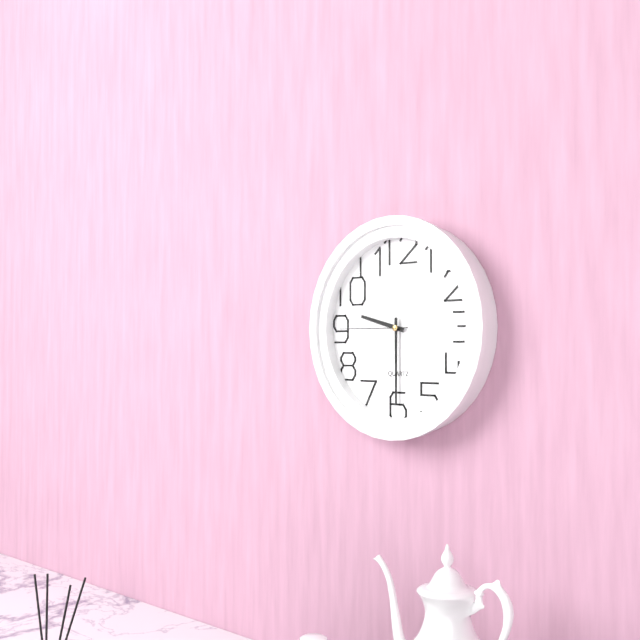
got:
h=9 m=30 s=45
